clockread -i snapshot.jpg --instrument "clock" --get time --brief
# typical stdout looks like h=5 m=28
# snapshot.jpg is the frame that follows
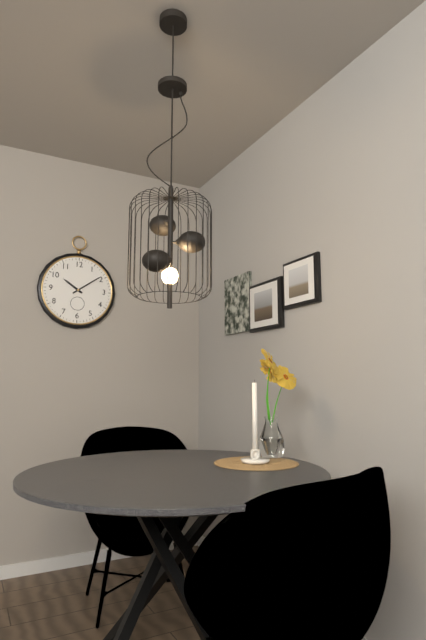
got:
h=10 m=9
